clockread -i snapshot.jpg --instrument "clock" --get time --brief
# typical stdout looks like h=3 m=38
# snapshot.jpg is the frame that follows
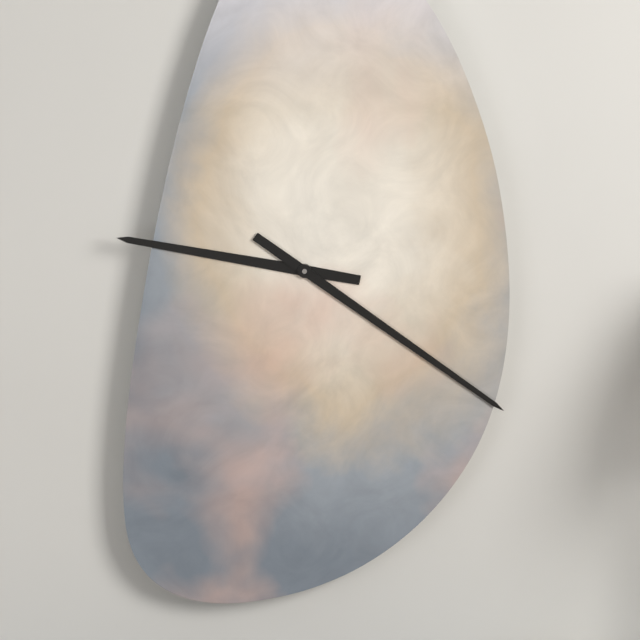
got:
h=9 m=21
